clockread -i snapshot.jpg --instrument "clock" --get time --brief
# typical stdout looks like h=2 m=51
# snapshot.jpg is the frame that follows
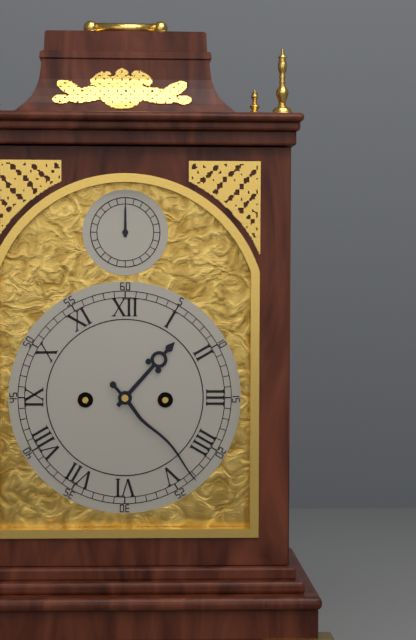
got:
h=1 m=23
